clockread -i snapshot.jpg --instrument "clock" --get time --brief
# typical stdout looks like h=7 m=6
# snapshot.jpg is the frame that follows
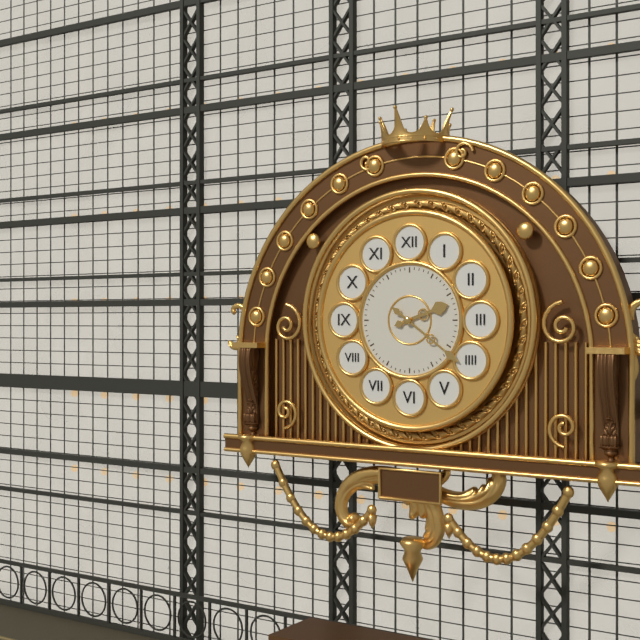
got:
h=2 m=21
